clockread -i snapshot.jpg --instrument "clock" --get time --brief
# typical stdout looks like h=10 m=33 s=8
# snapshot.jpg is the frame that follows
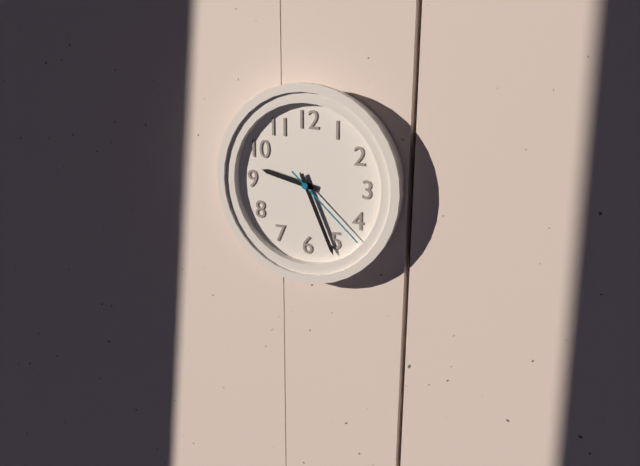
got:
h=9 m=26 s=22
